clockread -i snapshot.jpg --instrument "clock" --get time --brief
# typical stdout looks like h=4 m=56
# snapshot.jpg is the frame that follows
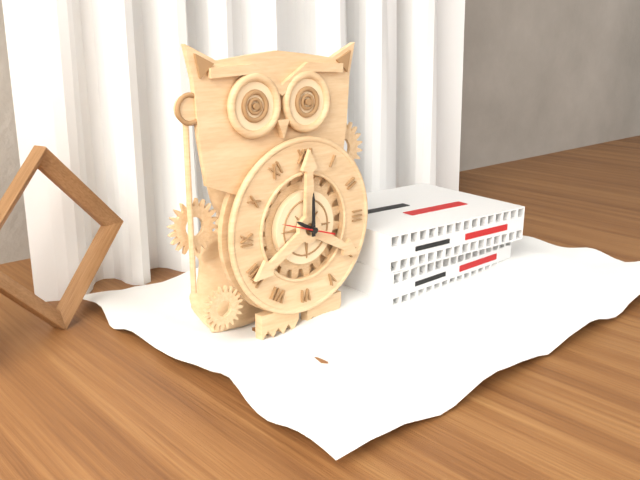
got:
h=10 m=0
